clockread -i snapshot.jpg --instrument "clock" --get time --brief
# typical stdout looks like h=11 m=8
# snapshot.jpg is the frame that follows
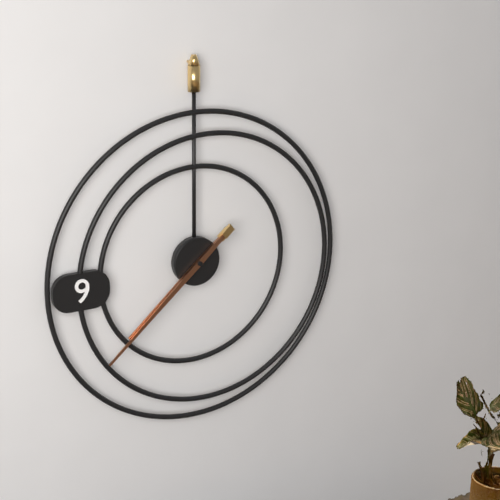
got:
h=7 m=38
